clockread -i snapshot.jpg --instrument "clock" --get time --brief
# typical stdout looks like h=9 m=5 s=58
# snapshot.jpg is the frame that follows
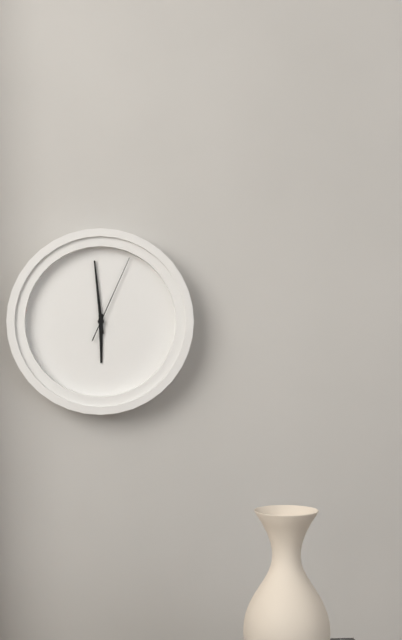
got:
h=5 m=59 s=4
